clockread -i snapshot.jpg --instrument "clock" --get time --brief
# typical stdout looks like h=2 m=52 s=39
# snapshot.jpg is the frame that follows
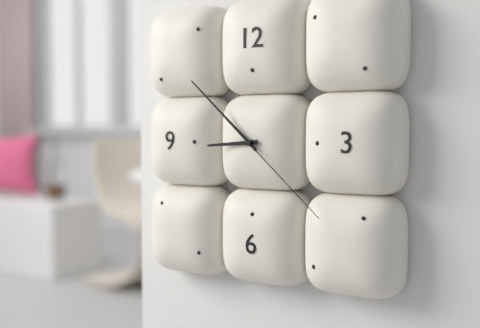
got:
h=8 m=52 s=22
